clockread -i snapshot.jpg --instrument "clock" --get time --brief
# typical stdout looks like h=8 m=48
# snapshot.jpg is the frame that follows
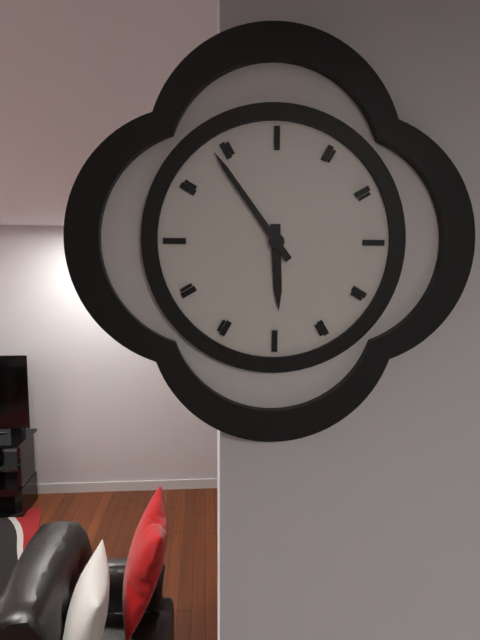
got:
h=5 m=54
